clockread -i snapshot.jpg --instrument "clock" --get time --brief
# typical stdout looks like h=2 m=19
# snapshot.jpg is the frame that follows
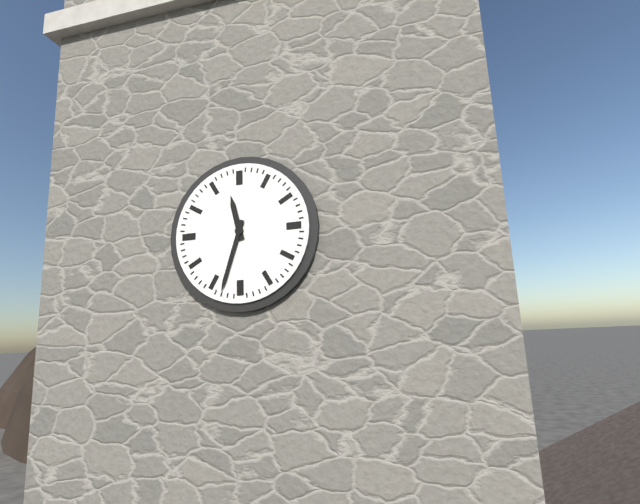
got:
h=11 m=33
